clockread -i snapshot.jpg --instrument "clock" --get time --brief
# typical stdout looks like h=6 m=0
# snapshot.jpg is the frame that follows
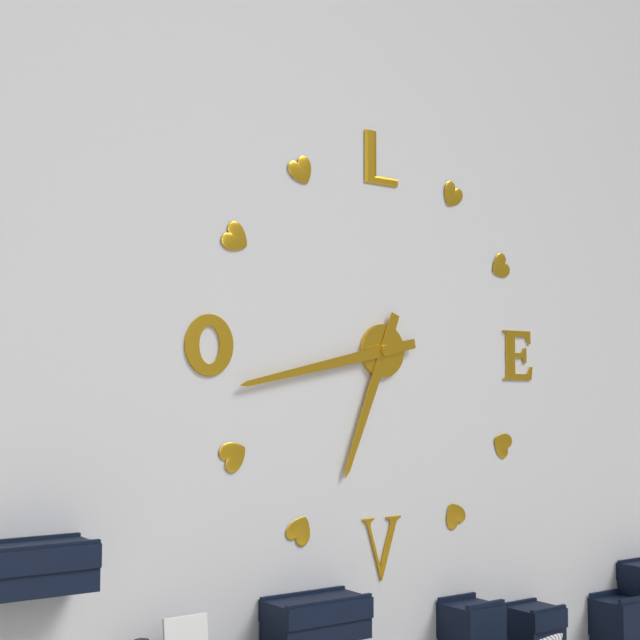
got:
h=6 m=43
